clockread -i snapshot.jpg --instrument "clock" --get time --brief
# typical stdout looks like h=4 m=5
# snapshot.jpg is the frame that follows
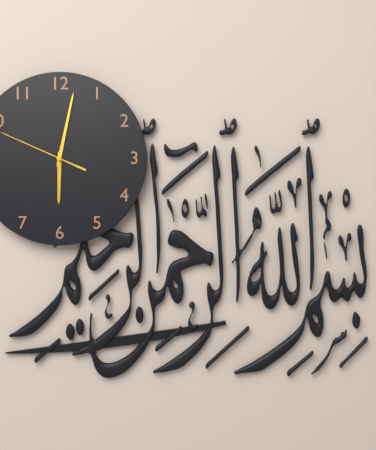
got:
h=6 m=2
